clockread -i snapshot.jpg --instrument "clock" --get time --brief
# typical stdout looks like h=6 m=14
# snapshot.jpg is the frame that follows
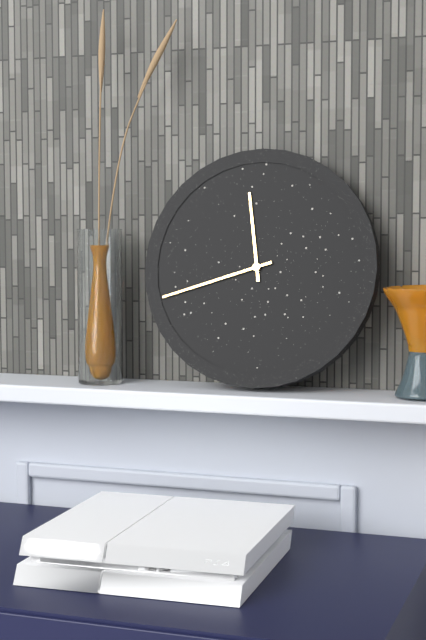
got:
h=11 m=42
